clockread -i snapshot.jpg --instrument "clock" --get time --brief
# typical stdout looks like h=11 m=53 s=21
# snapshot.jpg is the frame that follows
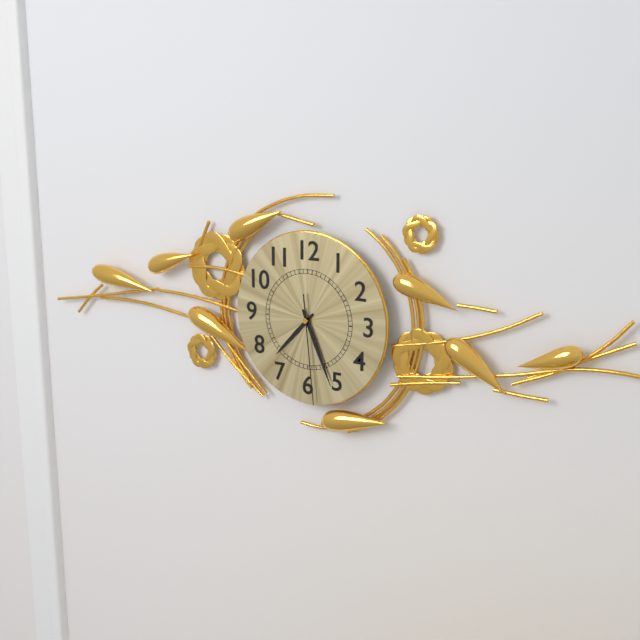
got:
h=7 m=26 s=29
